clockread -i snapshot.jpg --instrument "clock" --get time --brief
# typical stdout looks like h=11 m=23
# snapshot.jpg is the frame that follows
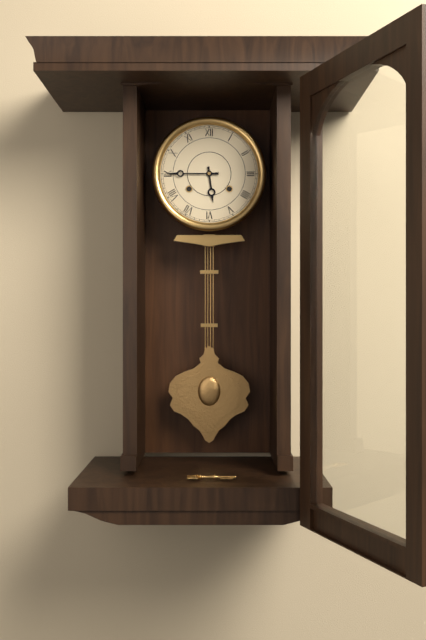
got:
h=5 m=45
